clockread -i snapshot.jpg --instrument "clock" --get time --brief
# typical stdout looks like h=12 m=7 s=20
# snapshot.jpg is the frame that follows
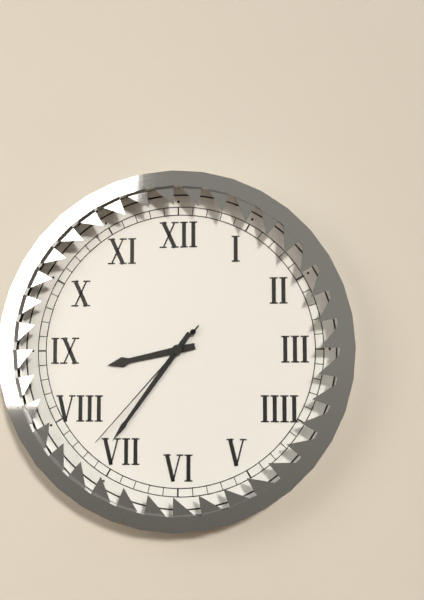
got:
h=8 m=36 s=37
